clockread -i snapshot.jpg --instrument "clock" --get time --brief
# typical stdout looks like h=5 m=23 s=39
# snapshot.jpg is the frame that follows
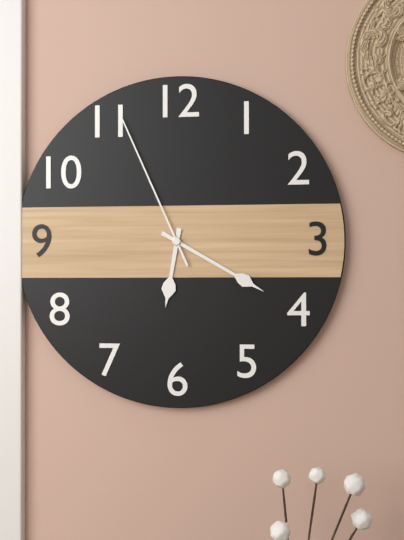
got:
h=6 m=20 s=56
